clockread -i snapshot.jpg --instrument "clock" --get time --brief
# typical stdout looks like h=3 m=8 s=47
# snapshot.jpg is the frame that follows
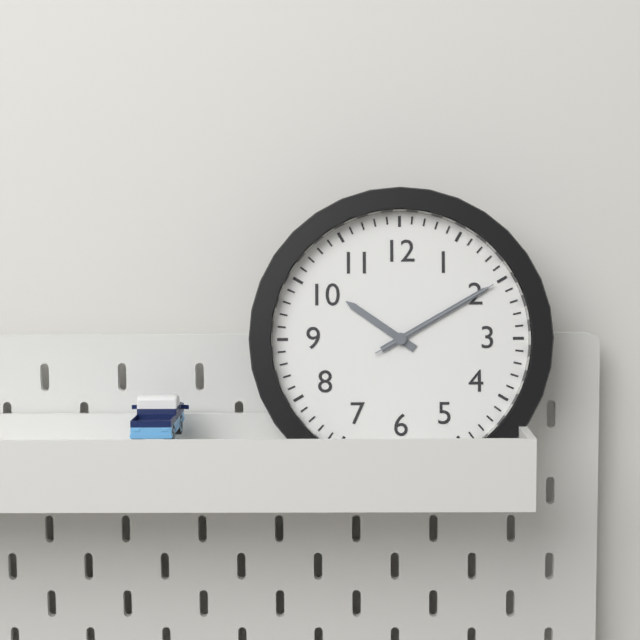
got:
h=10 m=10 s=10
